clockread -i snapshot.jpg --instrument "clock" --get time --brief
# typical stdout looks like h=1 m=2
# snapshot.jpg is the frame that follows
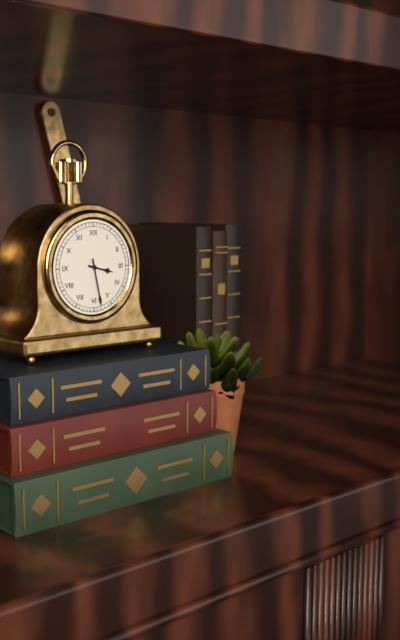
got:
h=3 m=28
